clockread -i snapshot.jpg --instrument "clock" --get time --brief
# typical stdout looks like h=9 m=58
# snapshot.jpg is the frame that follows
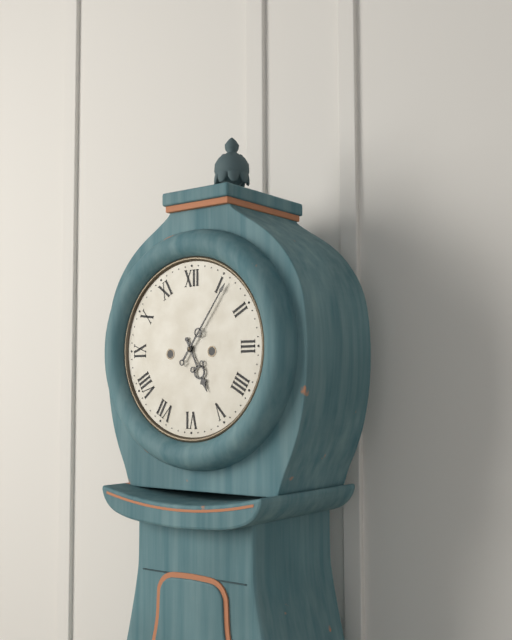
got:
h=5 m=6
